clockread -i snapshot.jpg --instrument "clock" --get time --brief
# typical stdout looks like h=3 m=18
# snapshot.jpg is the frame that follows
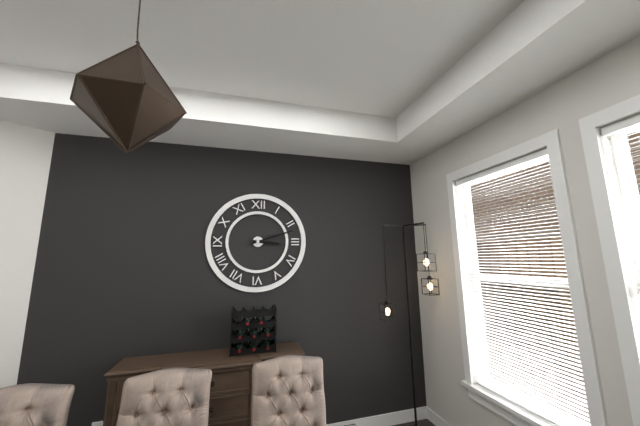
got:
h=3 m=12
